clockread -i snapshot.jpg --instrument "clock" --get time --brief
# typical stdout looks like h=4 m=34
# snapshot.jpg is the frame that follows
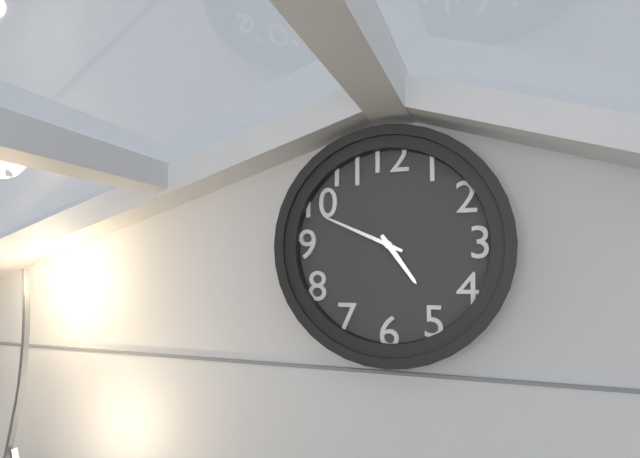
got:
h=4 m=49
